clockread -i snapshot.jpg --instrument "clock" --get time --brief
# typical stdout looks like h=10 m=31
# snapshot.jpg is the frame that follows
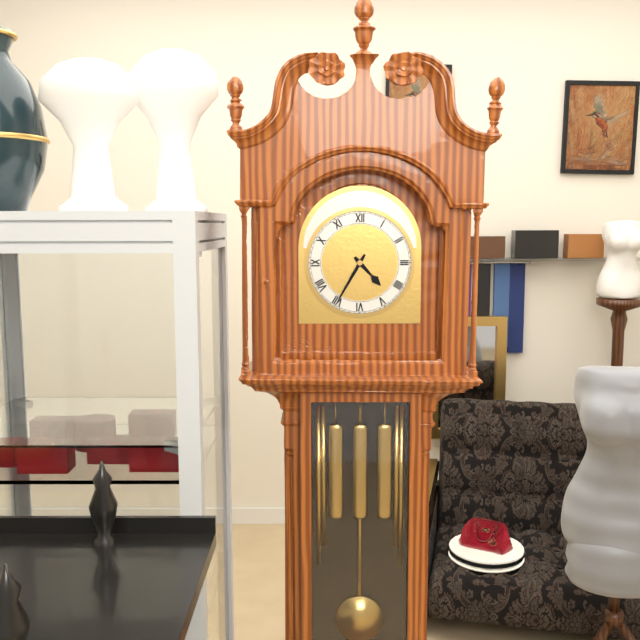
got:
h=4 m=35
